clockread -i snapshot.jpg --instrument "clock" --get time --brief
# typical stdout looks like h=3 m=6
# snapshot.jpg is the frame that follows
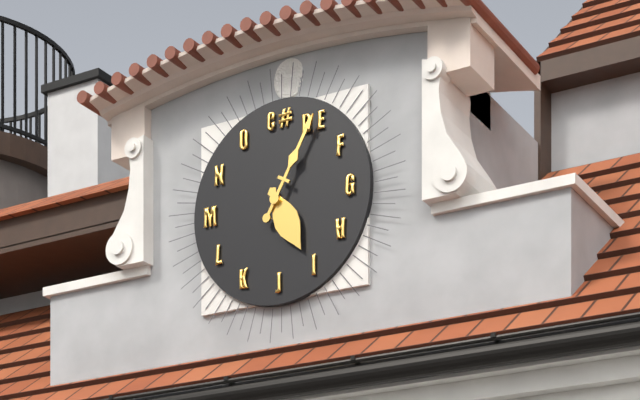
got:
h=5 m=5
